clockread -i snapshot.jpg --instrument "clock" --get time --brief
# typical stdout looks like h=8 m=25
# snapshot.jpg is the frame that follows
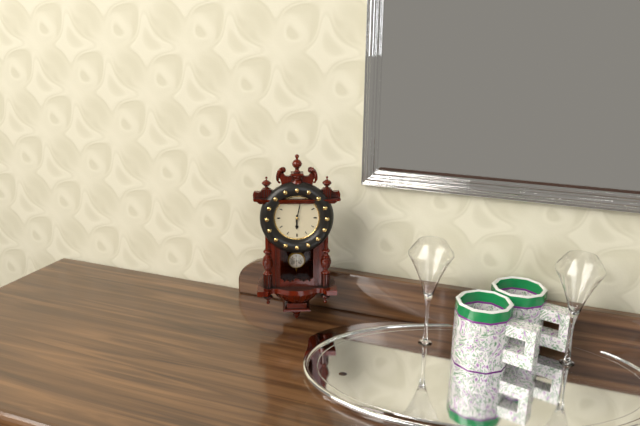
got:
h=6 m=2
